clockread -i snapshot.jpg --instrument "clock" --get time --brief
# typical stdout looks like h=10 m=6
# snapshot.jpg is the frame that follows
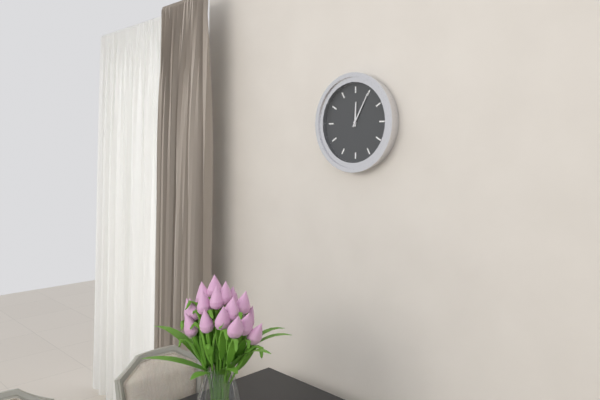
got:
h=12 m=5
